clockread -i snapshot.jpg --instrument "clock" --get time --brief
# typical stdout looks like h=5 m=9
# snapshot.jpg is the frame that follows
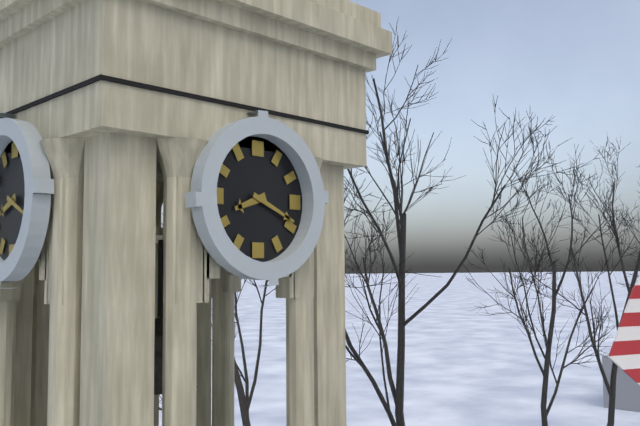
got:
h=8 m=19
